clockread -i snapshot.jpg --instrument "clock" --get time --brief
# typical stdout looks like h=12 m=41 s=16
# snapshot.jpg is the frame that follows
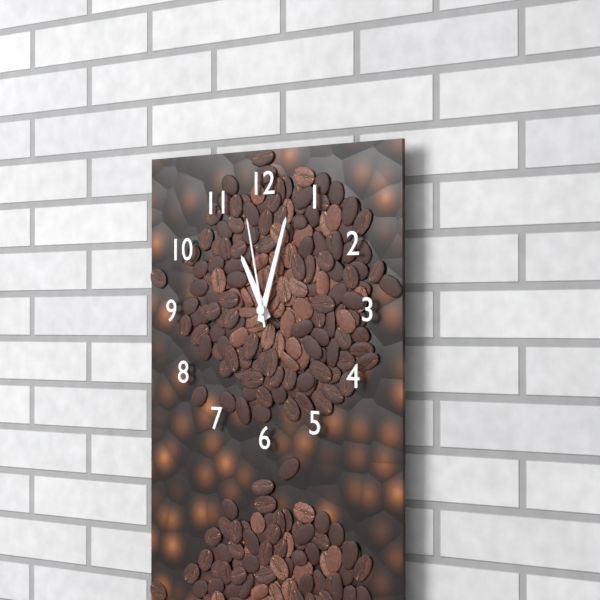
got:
h=11 m=3 s=58
